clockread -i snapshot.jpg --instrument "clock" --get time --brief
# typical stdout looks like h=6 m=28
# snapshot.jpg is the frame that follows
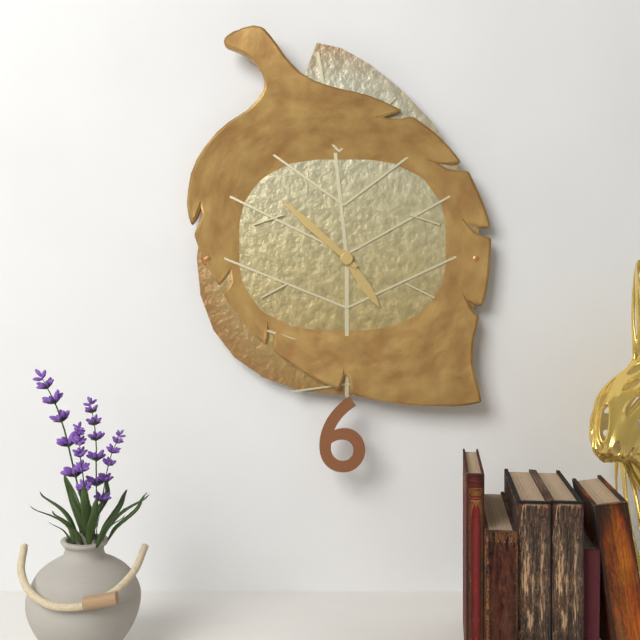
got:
h=4 m=52
